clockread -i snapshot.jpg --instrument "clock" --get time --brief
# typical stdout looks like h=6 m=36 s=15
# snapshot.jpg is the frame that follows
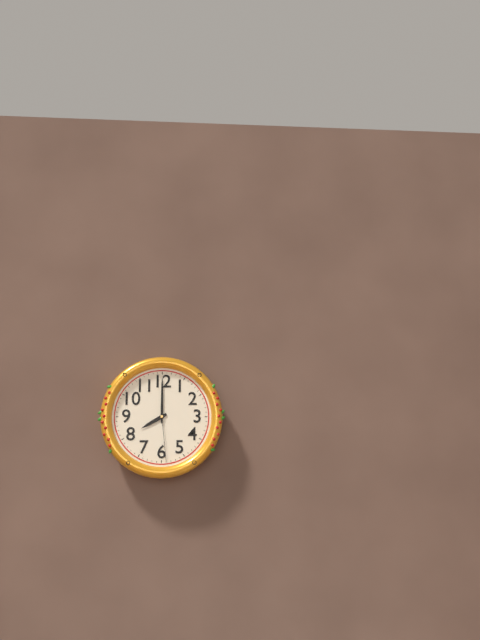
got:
h=8 m=0 s=29
